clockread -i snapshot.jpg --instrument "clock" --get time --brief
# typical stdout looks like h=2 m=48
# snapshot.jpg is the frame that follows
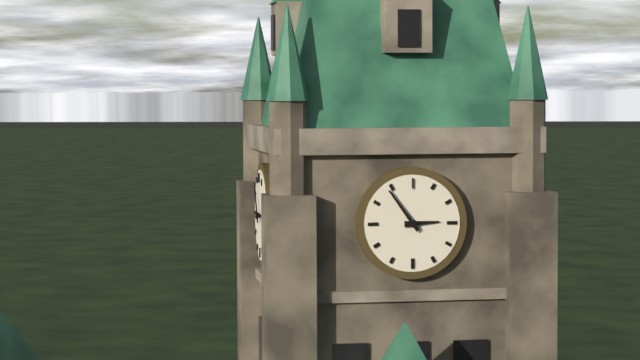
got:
h=2 m=54
